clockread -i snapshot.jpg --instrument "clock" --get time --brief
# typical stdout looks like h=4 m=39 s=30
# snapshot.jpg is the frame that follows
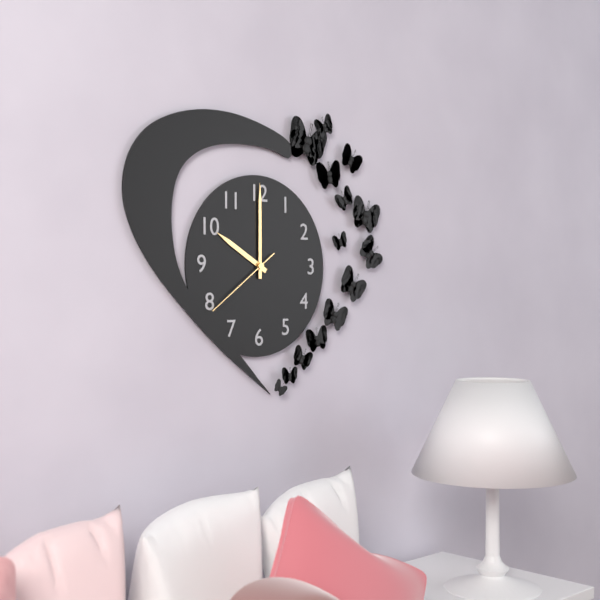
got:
h=10 m=0 s=39
